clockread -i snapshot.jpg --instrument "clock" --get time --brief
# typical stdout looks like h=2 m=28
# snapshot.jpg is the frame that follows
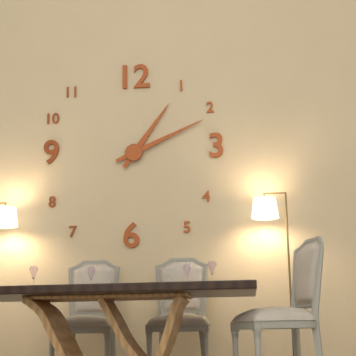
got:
h=1 m=11
